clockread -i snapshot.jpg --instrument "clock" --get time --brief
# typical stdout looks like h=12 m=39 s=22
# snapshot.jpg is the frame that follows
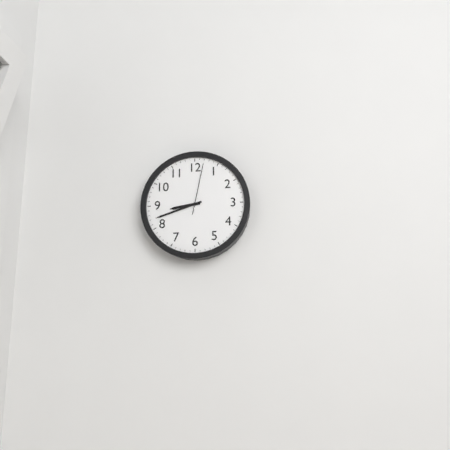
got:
h=8 m=42 s=2
